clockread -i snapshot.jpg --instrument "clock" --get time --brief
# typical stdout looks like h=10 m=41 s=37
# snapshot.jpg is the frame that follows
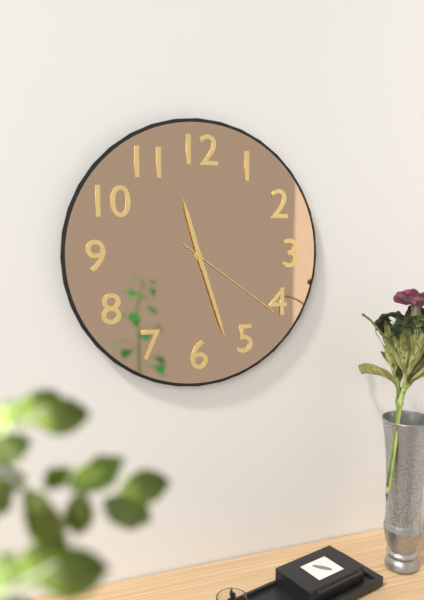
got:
h=11 m=27 s=21
